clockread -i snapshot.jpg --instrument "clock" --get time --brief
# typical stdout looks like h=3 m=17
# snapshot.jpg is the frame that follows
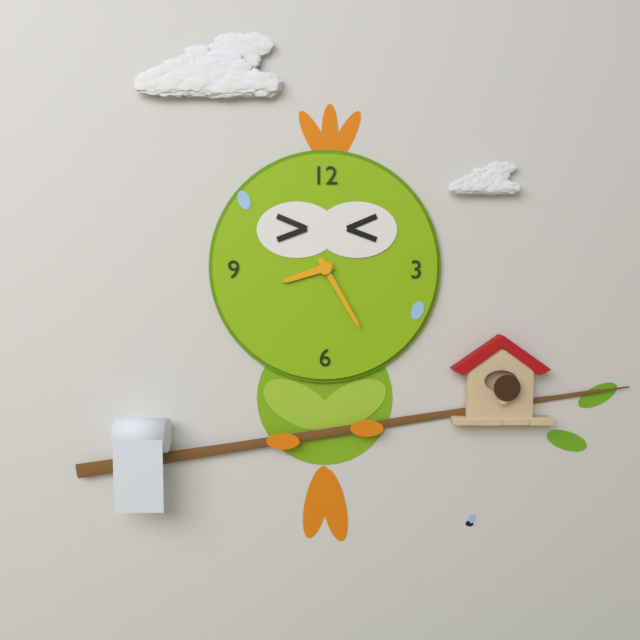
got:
h=8 m=25
